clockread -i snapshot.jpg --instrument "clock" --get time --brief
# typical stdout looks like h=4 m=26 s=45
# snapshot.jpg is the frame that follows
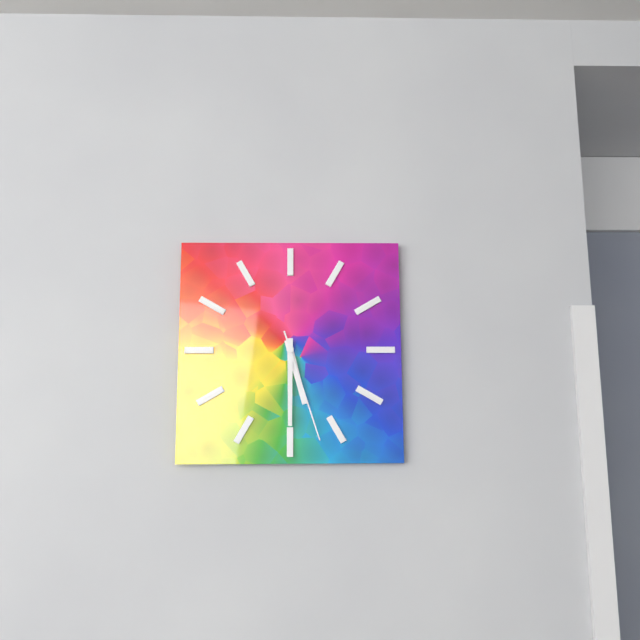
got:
h=5 m=30 s=27
